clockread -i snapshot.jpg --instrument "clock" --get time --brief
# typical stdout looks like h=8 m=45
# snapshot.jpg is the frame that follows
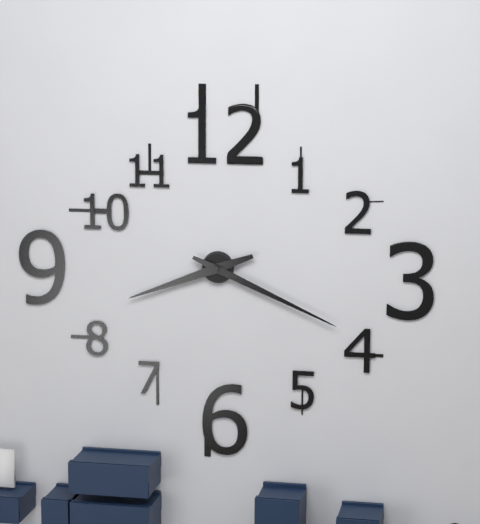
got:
h=8 m=19
